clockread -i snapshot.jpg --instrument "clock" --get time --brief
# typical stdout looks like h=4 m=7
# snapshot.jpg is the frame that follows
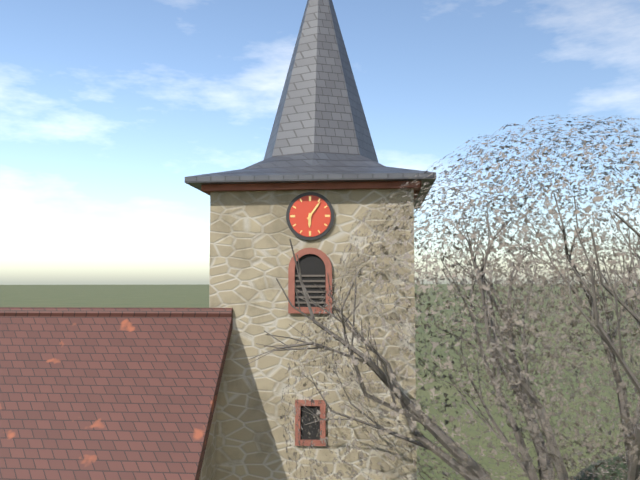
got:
h=6 m=6
